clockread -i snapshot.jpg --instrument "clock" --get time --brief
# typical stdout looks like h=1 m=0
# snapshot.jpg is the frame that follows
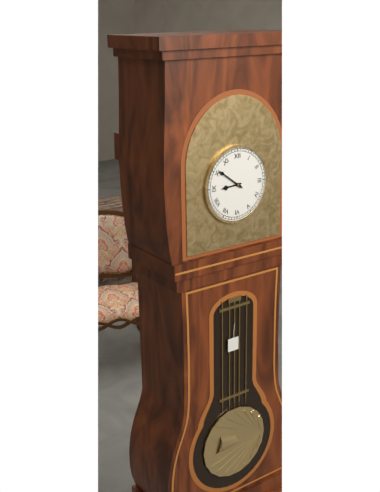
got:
h=8 m=51
